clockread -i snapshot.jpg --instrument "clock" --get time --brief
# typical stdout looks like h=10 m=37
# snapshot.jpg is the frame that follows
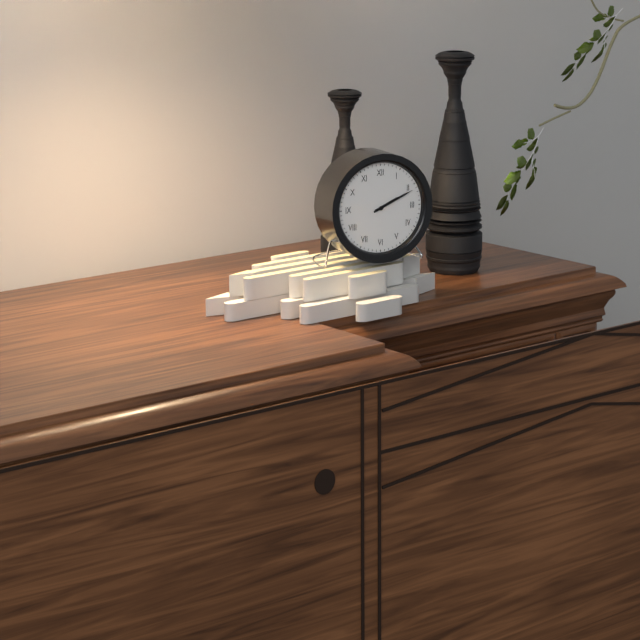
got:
h=2 m=11
